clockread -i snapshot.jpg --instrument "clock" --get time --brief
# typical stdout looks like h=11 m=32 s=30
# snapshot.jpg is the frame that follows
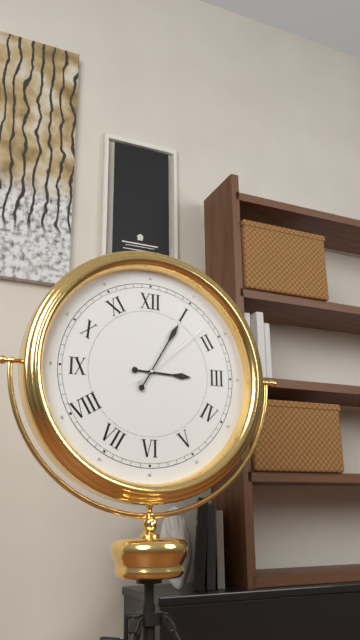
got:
h=3 m=5 s=8
